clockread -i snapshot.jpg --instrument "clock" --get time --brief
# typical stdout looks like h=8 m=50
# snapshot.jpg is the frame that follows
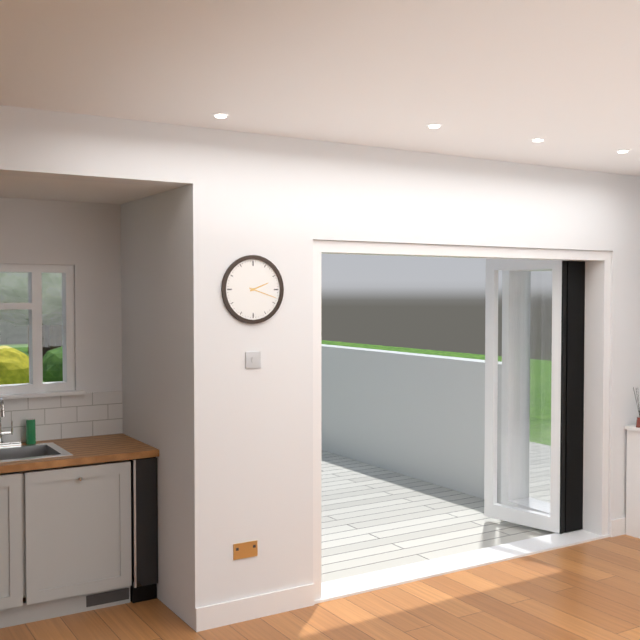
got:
h=2 m=18
